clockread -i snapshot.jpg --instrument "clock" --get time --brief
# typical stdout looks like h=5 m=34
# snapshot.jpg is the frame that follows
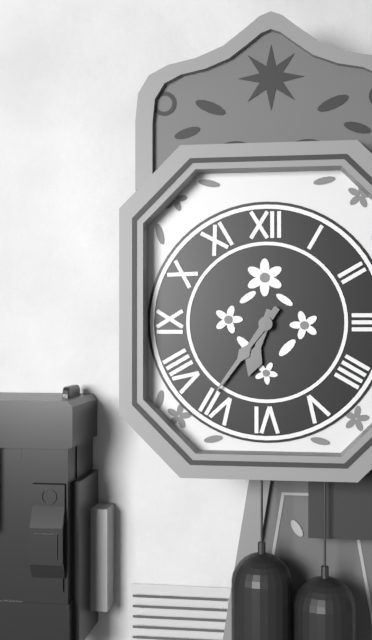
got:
h=6 m=36
